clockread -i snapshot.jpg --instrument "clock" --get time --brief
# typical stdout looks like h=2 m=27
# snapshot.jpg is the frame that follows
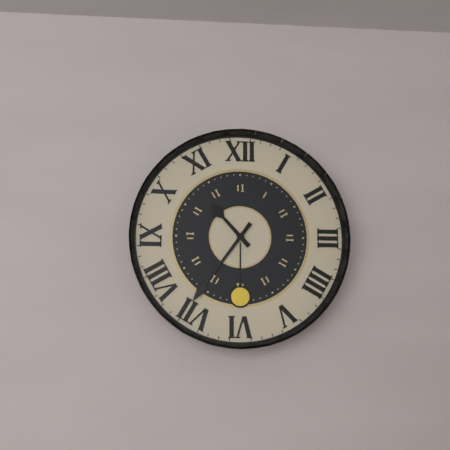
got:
h=10 m=36
